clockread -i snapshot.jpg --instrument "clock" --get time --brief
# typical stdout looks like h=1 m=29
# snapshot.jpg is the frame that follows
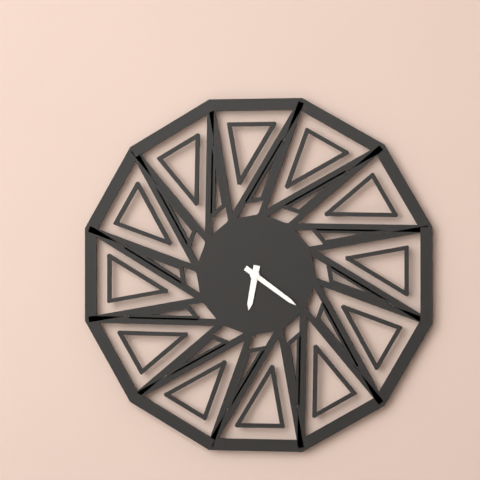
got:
h=6 m=21
